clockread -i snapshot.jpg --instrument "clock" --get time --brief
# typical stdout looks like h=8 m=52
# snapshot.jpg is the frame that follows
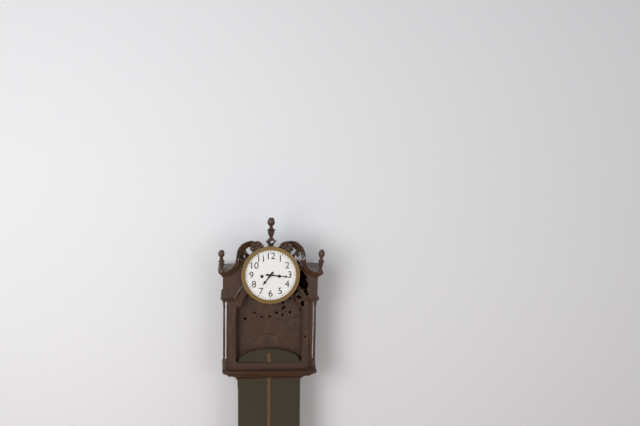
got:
h=7 m=16
